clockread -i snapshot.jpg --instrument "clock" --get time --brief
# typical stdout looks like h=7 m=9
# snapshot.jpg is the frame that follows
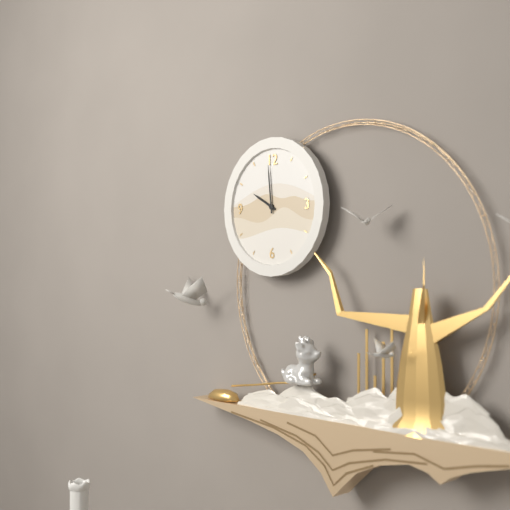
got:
h=9 m=59
